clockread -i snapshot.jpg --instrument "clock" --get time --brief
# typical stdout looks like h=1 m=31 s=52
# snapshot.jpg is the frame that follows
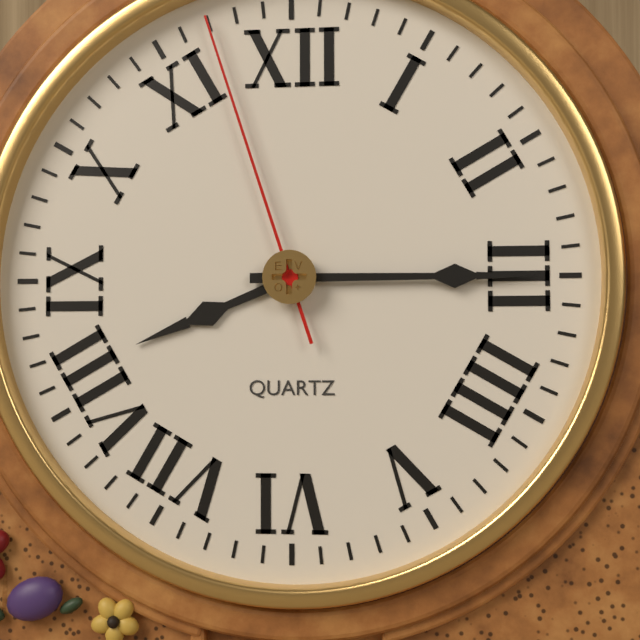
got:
h=8 m=15 s=57
